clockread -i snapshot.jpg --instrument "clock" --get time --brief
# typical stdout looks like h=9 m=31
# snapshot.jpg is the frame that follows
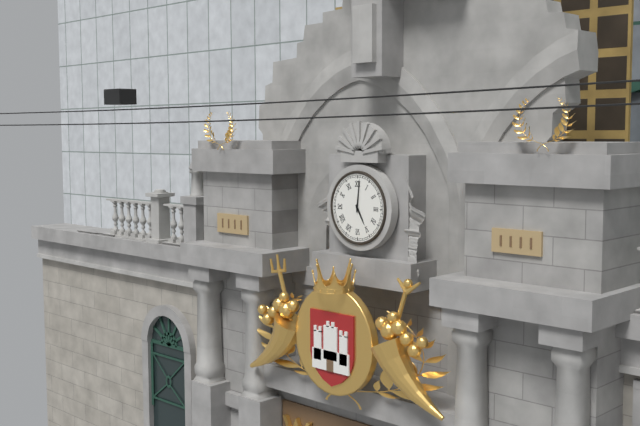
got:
h=5 m=1
